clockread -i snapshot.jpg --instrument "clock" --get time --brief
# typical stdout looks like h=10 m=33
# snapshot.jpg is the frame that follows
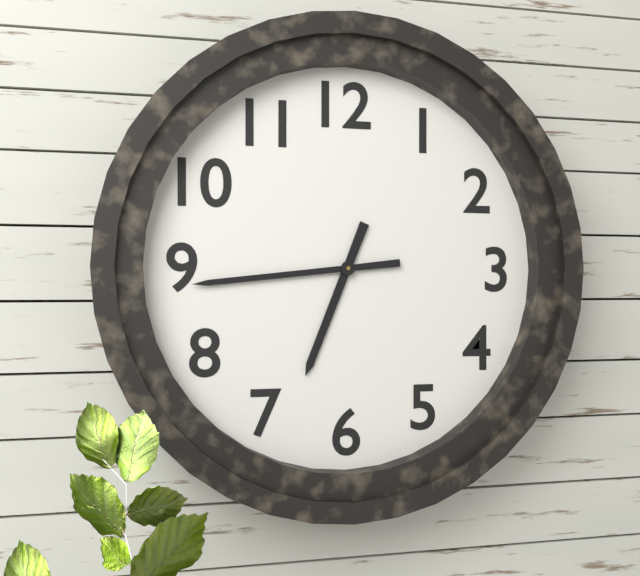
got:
h=6 m=44
